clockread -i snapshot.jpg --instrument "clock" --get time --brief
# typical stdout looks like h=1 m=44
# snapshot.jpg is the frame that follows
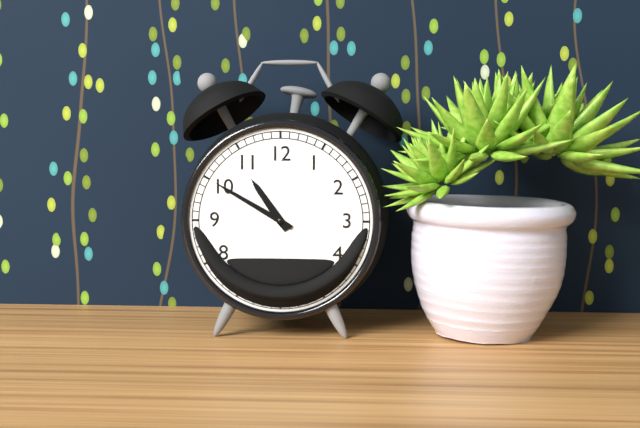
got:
h=10 m=50
